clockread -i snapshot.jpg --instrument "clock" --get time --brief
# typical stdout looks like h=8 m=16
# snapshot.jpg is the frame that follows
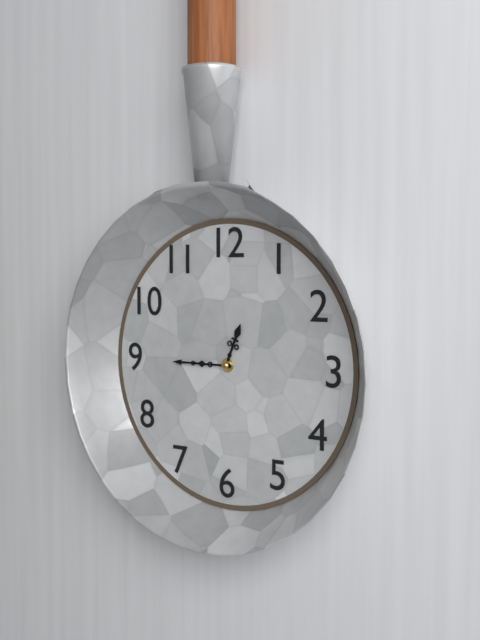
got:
h=12 m=45
